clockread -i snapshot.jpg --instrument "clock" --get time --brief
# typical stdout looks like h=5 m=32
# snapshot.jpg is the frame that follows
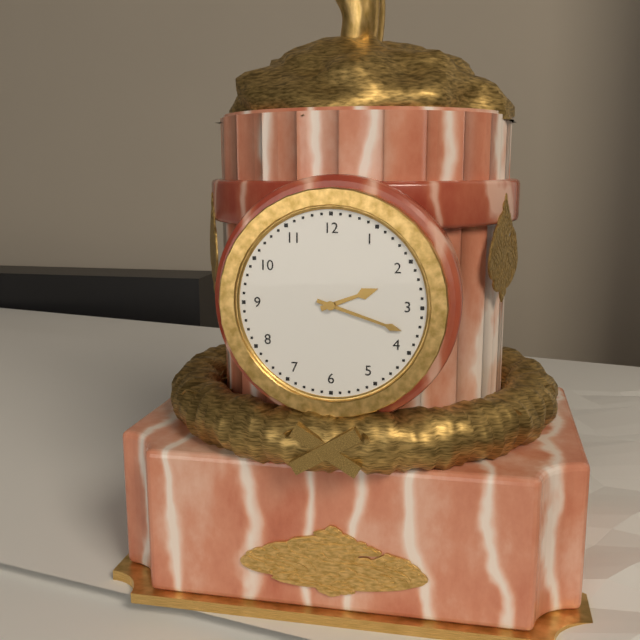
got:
h=2 m=18
